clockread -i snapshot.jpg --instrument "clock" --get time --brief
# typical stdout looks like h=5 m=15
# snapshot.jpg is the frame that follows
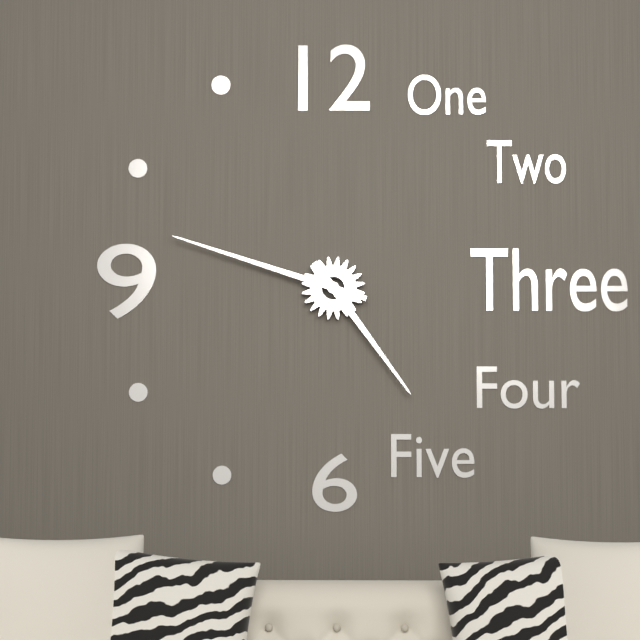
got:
h=4 m=48
